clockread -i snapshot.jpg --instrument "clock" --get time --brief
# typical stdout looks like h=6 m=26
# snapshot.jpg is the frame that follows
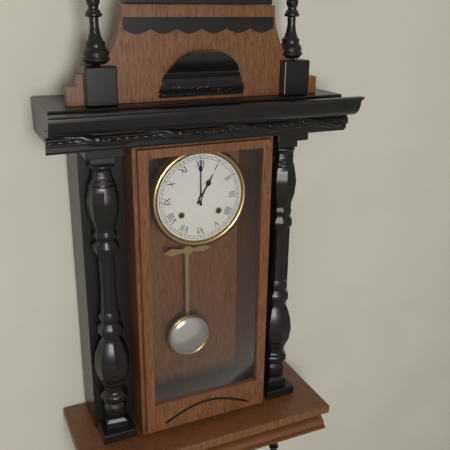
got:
h=1 m=0
